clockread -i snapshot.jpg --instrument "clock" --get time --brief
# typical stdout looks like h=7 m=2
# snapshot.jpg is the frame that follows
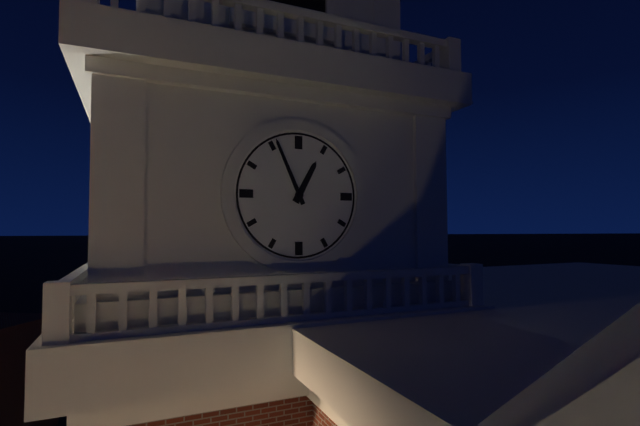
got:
h=12 m=56
